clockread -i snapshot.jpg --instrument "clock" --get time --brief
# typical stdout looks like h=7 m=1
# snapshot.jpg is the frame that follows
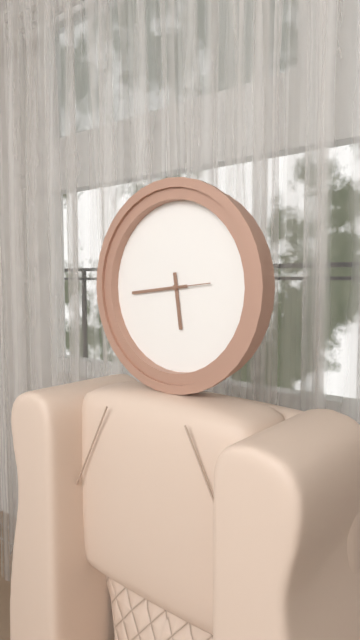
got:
h=5 m=44
